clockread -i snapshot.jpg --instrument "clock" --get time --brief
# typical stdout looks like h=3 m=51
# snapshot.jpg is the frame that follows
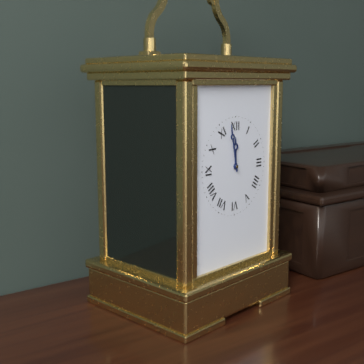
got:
h=11 m=58
